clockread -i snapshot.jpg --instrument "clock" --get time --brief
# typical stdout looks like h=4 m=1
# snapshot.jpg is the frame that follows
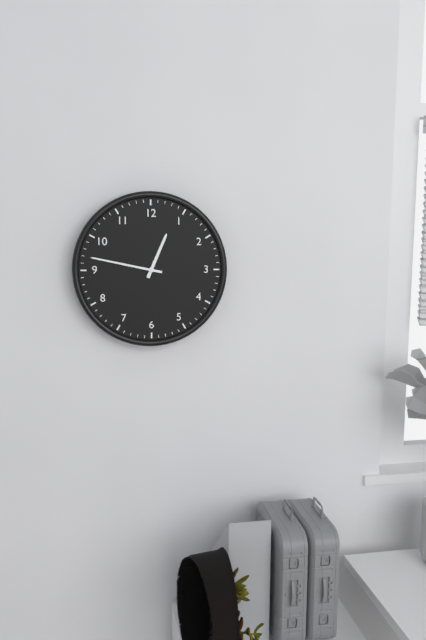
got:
h=12 m=47
